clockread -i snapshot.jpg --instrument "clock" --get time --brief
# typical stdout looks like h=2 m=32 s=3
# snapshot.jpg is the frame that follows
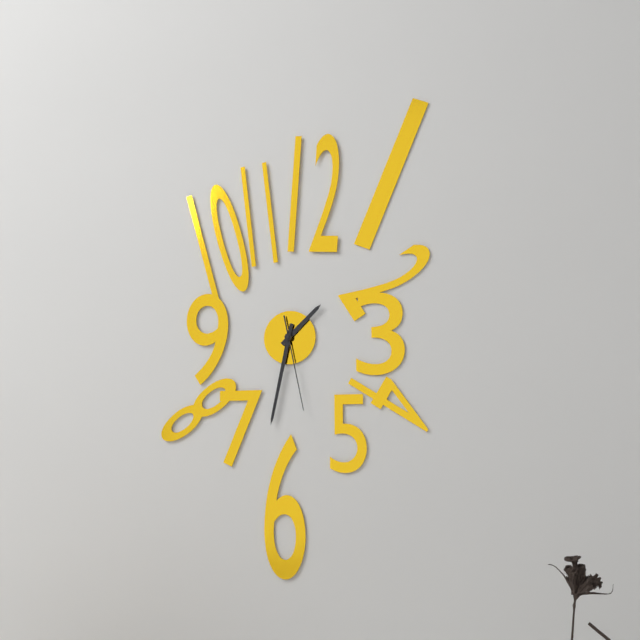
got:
h=1 m=32 s=28
